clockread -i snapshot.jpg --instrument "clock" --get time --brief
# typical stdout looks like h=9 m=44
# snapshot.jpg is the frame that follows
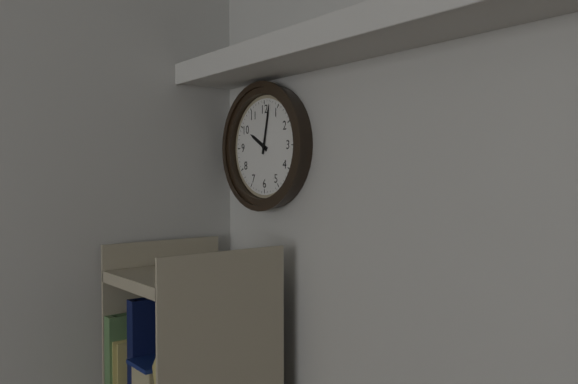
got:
h=10 m=2
